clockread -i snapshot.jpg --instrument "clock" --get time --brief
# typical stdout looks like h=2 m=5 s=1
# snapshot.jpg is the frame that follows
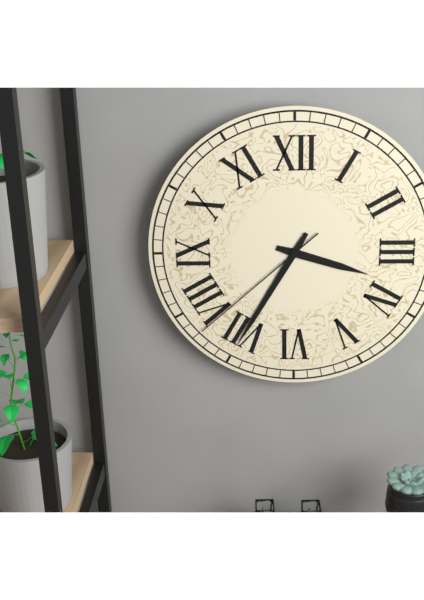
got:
h=3 m=35 s=38
